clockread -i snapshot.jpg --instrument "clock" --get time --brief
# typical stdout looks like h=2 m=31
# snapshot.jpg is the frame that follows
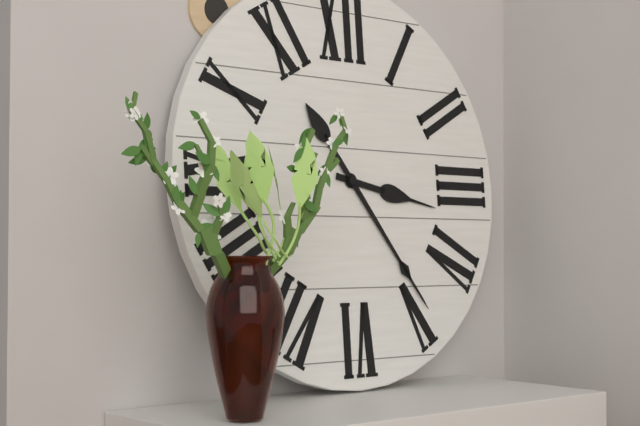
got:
h=3 m=24
